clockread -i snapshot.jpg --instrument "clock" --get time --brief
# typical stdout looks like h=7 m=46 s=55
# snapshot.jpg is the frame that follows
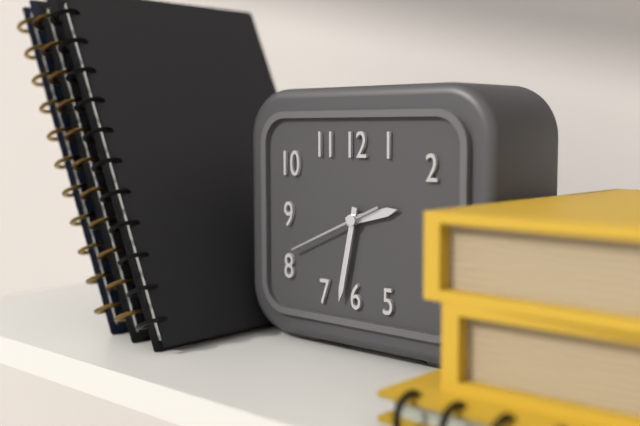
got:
h=2 m=32 s=41
